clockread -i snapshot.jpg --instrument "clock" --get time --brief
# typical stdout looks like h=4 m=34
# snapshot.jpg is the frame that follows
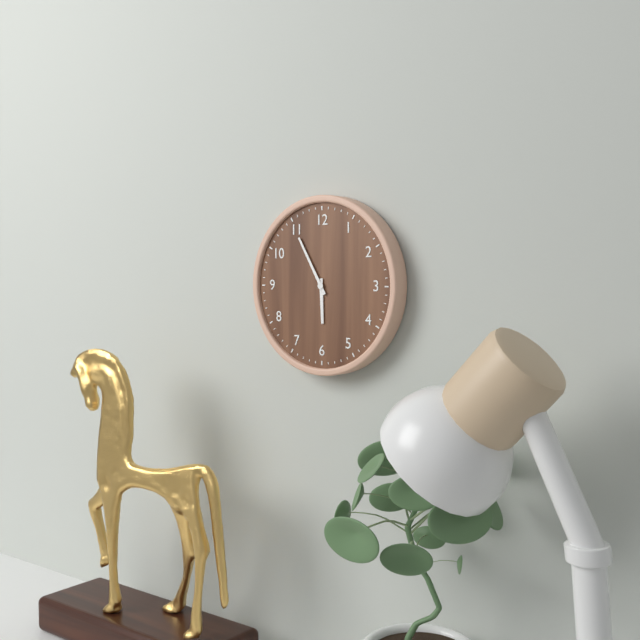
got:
h=5 m=55
